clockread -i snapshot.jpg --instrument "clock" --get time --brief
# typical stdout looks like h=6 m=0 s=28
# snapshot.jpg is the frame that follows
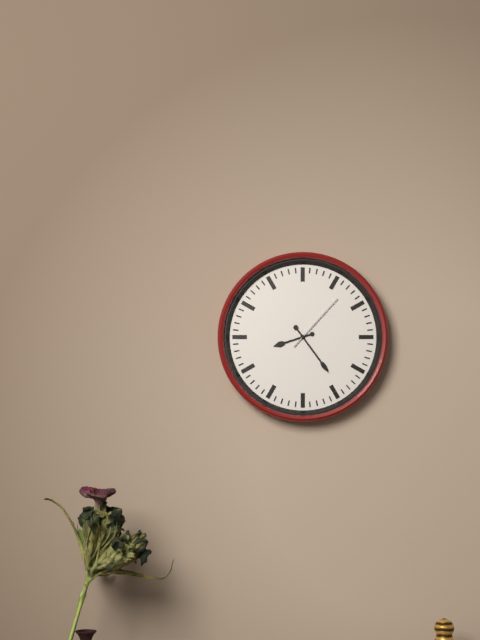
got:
h=8 m=24 s=7
